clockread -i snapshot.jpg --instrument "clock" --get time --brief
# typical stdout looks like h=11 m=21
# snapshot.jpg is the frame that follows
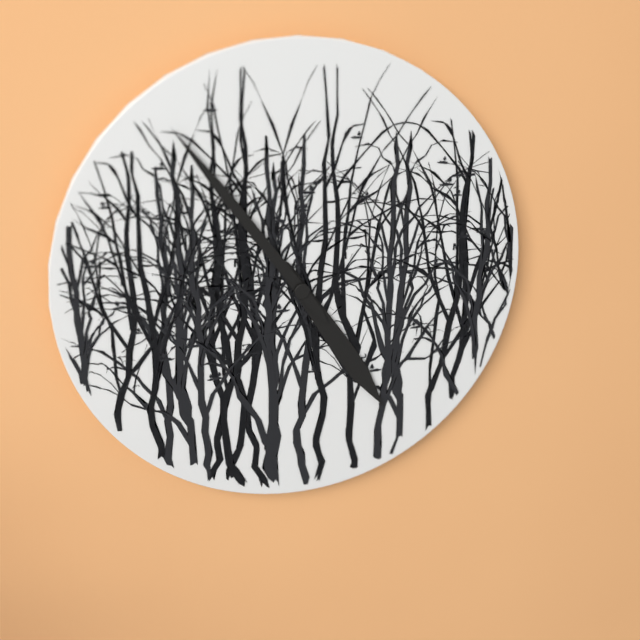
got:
h=4 m=54
